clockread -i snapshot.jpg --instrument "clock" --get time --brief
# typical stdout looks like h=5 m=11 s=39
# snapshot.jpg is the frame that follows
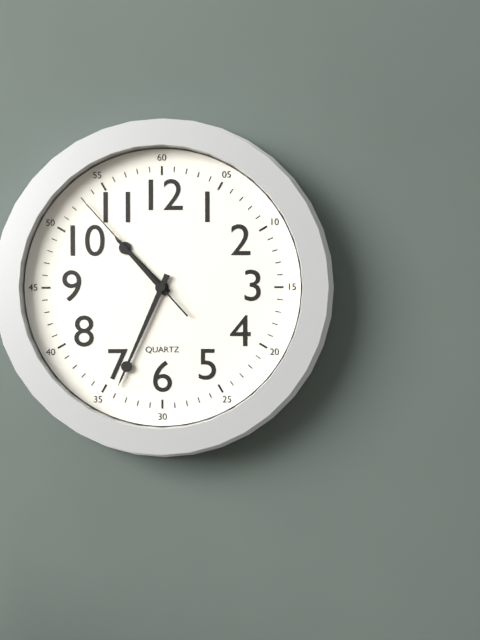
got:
h=10 m=34 s=53
